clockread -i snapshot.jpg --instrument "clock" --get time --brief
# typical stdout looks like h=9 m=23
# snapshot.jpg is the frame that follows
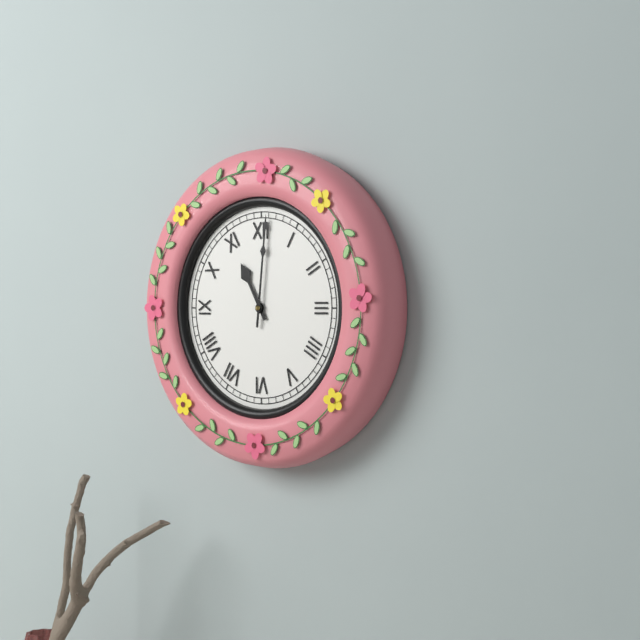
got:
h=11 m=1
